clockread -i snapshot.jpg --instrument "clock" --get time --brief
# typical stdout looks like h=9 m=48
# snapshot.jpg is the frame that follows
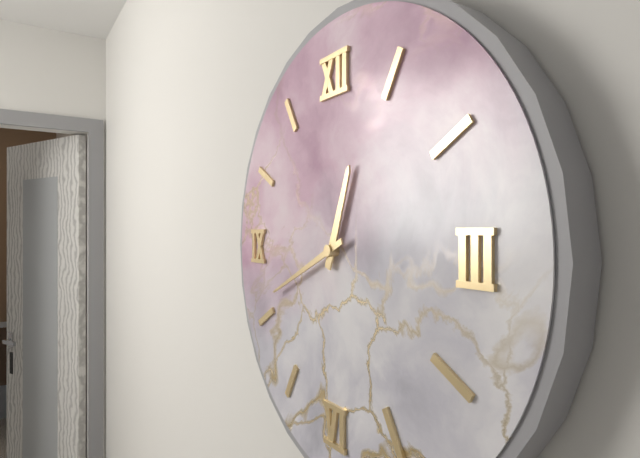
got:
h=12 m=41
